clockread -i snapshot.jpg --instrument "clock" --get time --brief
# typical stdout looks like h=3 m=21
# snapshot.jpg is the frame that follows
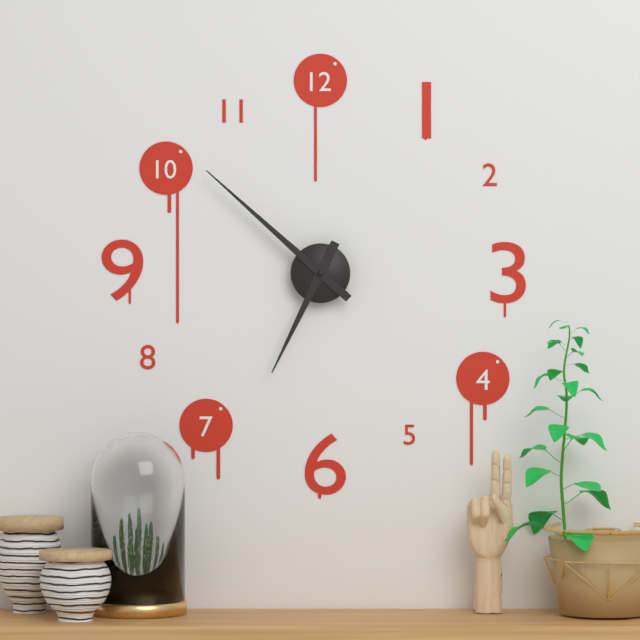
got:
h=6 m=52
